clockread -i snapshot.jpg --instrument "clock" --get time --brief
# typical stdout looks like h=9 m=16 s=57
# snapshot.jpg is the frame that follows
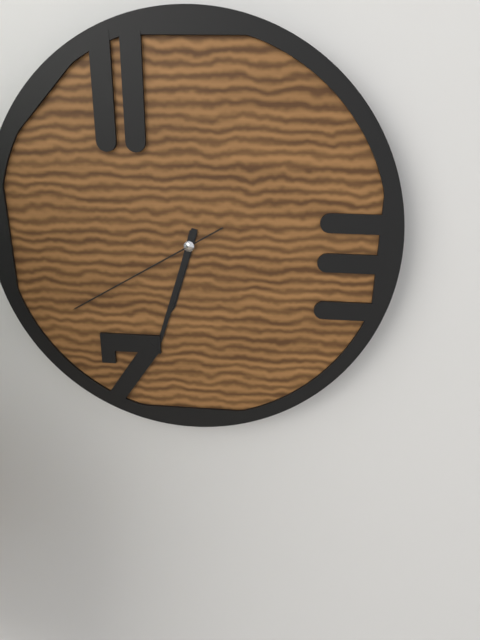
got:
h=6 m=33 s=40
